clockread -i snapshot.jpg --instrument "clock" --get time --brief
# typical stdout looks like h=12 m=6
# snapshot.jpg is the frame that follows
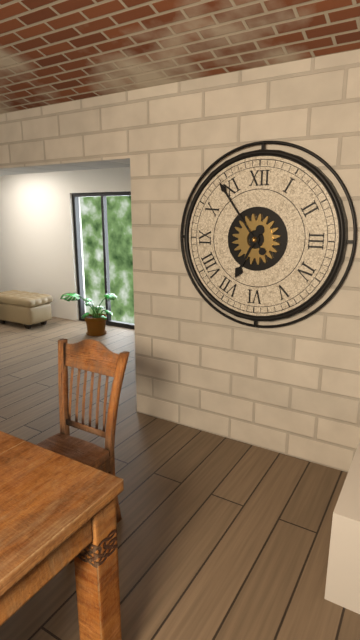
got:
h=6 m=54
